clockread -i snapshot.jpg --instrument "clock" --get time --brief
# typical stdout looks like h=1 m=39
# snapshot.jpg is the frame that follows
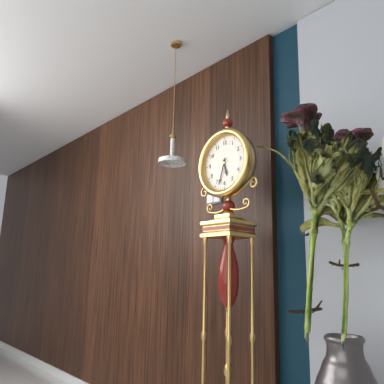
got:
h=5 m=33
